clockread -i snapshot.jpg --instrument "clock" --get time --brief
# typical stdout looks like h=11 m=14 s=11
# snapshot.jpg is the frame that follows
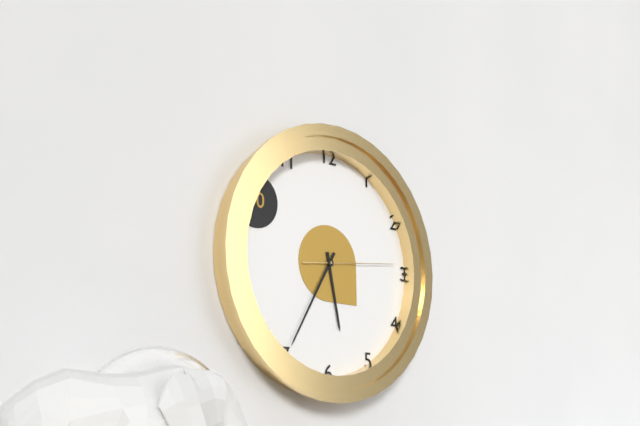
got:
h=5 m=35 s=14
